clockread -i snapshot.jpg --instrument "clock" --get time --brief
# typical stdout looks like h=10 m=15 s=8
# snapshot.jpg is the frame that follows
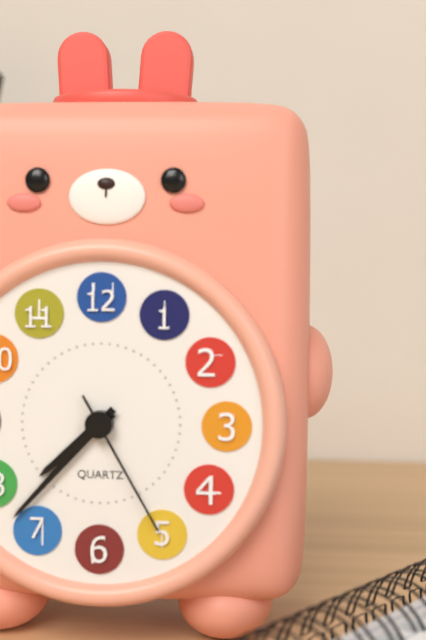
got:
h=7 m=37 s=25
